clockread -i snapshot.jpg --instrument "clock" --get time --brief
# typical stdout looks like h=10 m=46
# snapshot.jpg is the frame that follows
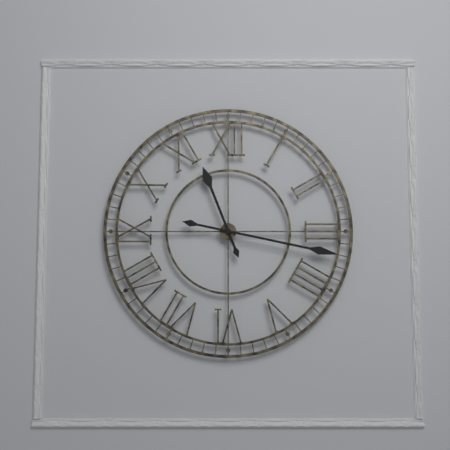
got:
h=11 m=17
